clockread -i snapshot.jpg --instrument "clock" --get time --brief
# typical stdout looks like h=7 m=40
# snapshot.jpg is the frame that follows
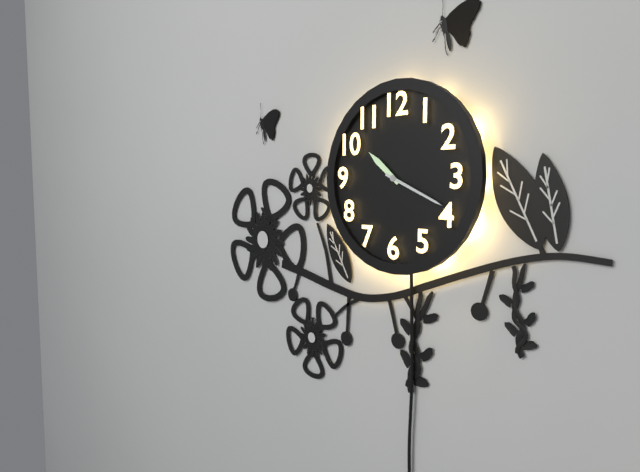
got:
h=10 m=19
